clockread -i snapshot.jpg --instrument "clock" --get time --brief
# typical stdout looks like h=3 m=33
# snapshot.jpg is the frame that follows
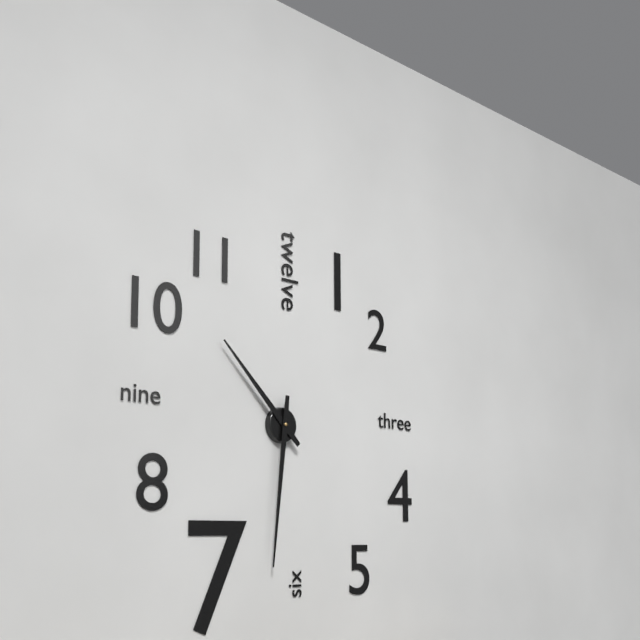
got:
h=10 m=31
